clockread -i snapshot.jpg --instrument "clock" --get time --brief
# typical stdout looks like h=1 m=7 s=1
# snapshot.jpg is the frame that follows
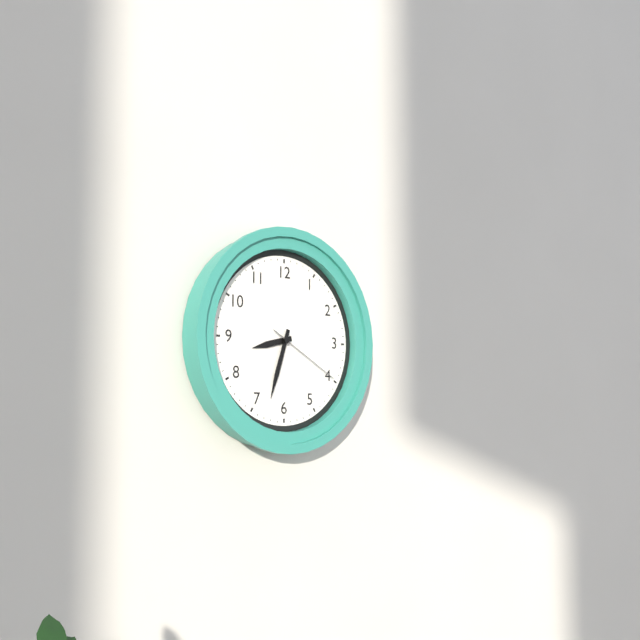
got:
h=8 m=33 s=20
